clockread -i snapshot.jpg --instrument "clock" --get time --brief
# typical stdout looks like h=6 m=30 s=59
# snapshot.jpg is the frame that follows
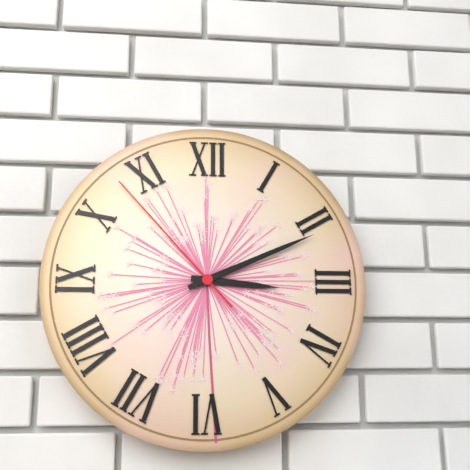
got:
h=3 m=11 s=53
